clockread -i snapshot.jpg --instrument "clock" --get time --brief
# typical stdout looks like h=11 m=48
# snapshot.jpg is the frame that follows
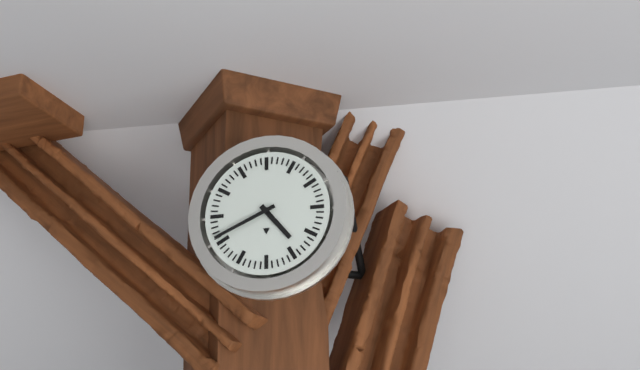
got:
h=4 m=41
